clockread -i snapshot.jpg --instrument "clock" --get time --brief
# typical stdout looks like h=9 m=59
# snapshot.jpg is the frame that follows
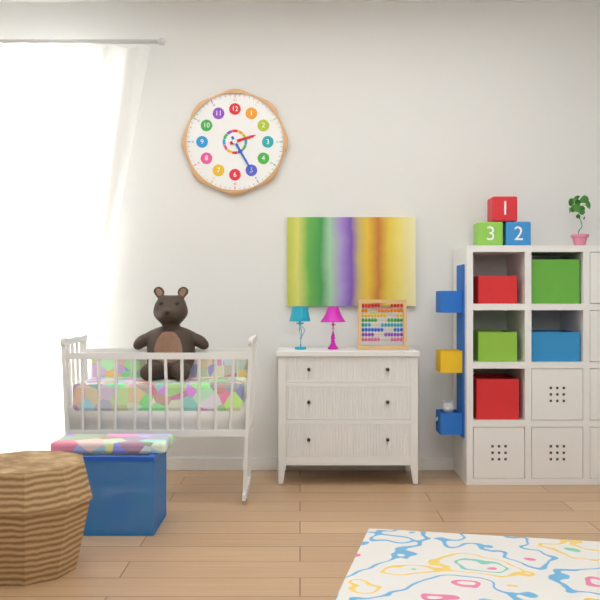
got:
h=2 m=25
